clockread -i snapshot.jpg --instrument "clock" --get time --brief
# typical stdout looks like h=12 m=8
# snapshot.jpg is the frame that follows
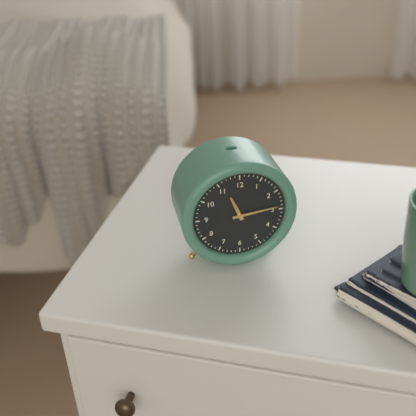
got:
h=11 m=14
